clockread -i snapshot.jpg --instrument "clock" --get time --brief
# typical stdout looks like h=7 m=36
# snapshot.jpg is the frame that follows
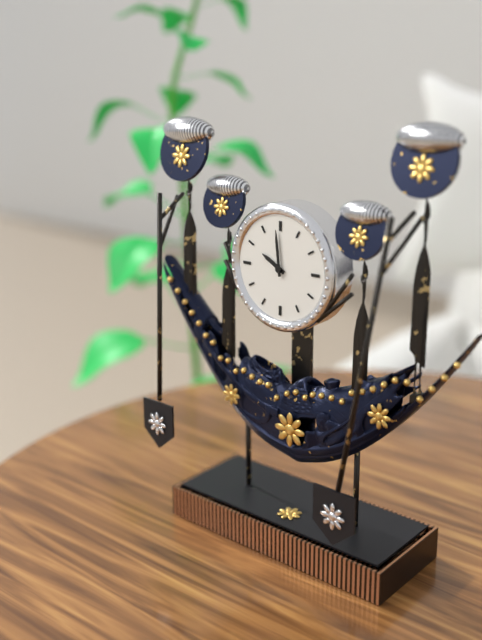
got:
h=9 m=59
